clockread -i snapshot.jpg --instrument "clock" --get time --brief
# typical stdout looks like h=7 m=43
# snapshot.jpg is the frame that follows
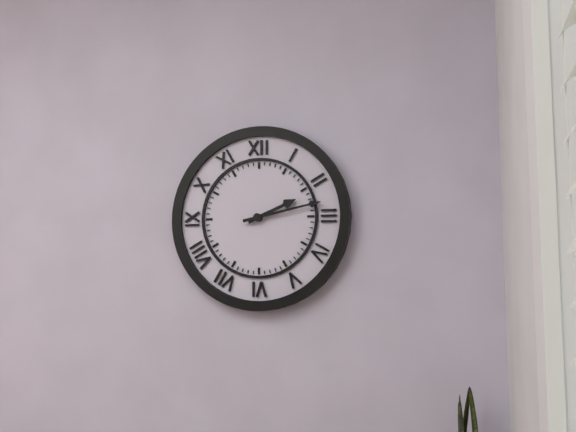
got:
h=2 m=13
